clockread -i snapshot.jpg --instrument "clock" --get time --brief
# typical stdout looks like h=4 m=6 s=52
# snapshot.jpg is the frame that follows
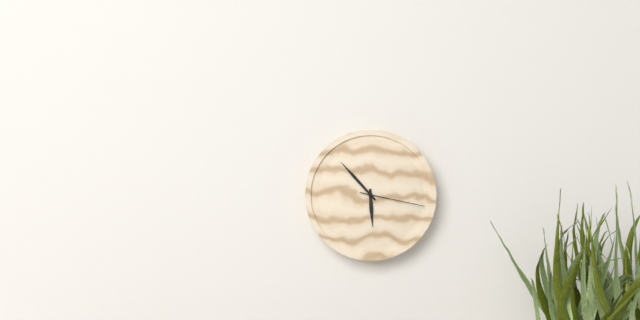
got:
h=5 m=53 s=17
